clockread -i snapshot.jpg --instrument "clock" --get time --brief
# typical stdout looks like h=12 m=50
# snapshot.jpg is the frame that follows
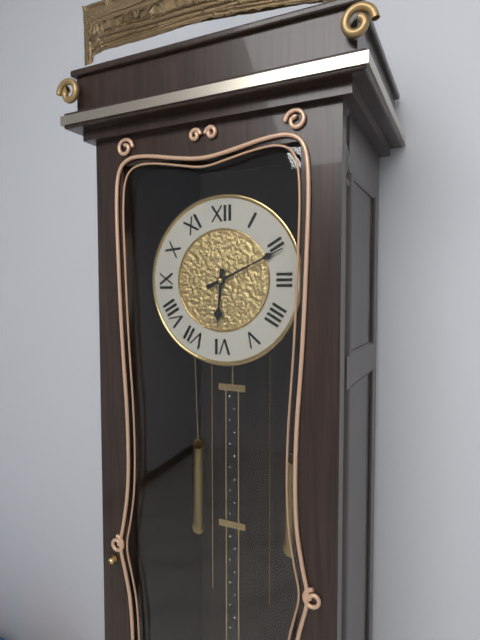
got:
h=6 m=11
